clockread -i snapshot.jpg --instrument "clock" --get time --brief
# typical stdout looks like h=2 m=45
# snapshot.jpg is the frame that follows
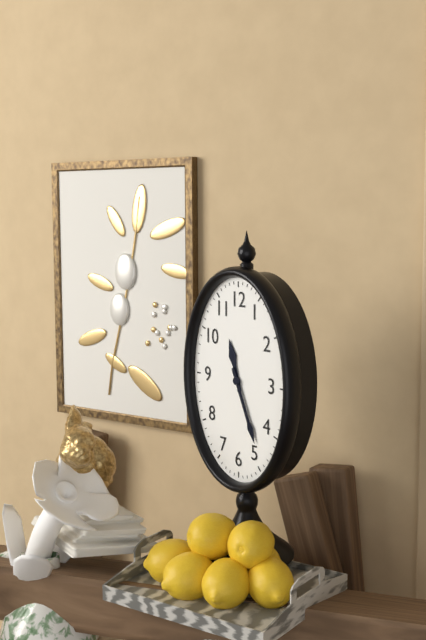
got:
h=11 m=26
